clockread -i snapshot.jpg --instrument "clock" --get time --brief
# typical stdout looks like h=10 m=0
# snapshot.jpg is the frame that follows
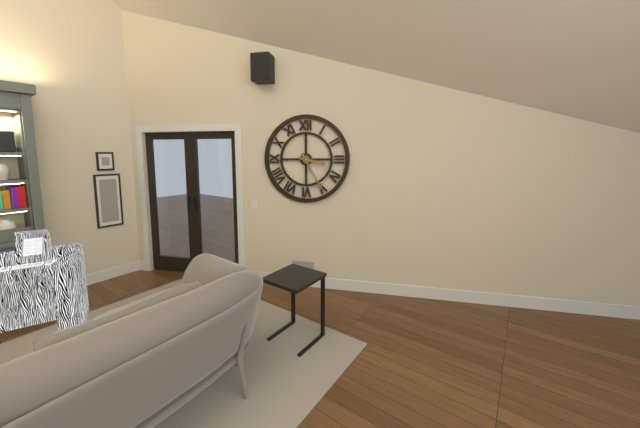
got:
h=3 m=25
